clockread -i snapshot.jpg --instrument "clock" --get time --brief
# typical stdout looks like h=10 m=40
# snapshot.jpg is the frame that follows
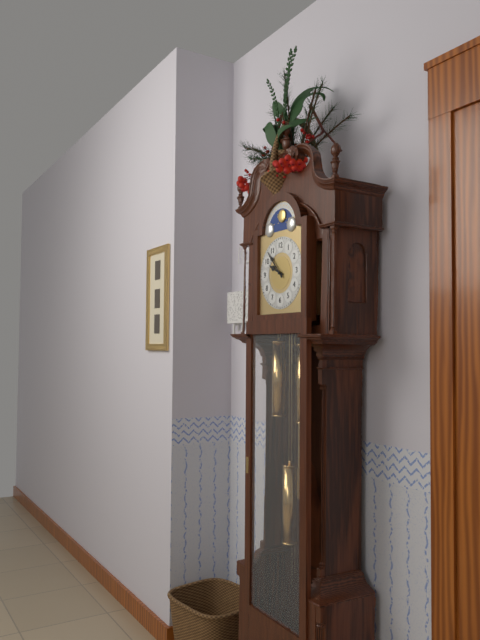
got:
h=9 m=53
